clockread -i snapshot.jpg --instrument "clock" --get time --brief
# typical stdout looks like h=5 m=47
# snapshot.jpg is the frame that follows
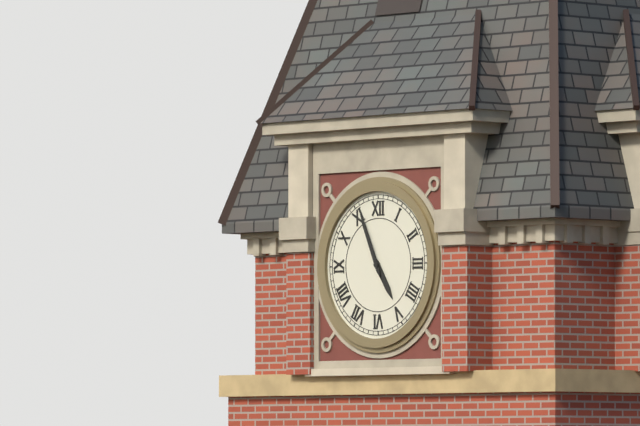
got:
h=4 m=56
